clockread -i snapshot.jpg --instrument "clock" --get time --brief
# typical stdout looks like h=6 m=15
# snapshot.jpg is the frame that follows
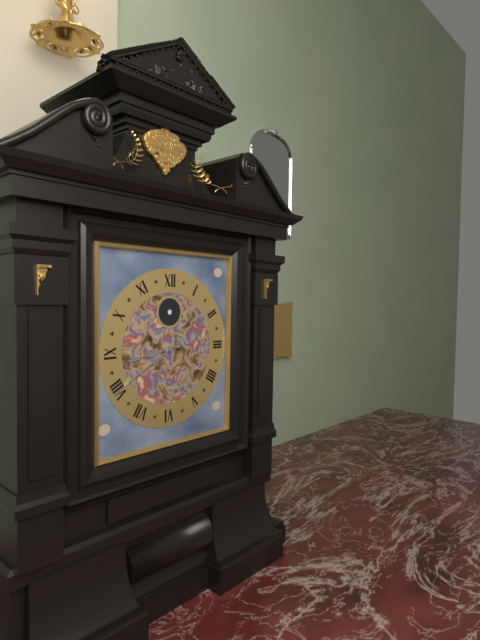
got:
h=8 m=40
